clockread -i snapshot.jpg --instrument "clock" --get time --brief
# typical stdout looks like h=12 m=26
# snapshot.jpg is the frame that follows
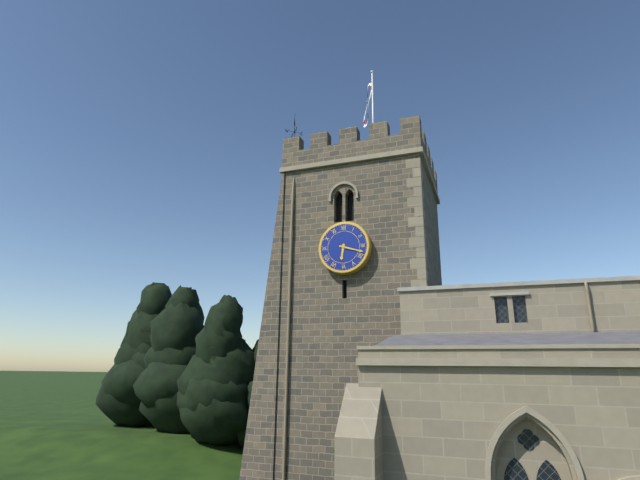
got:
h=6 m=18
